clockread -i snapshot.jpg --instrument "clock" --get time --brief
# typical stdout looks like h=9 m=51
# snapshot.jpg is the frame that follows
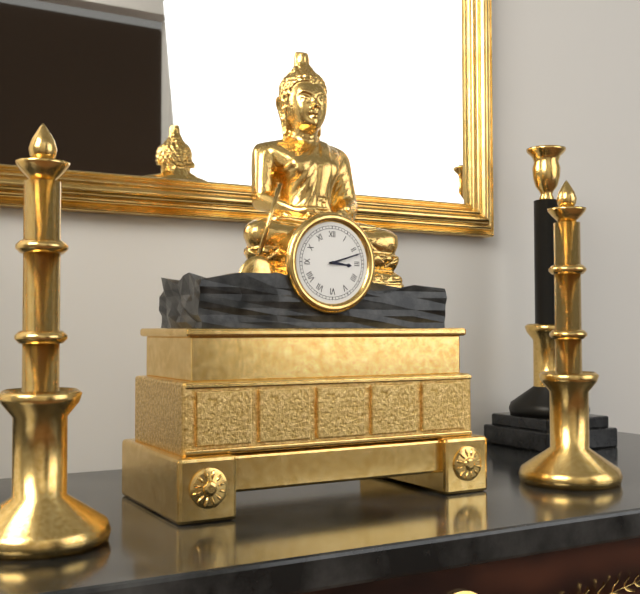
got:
h=3 m=12
